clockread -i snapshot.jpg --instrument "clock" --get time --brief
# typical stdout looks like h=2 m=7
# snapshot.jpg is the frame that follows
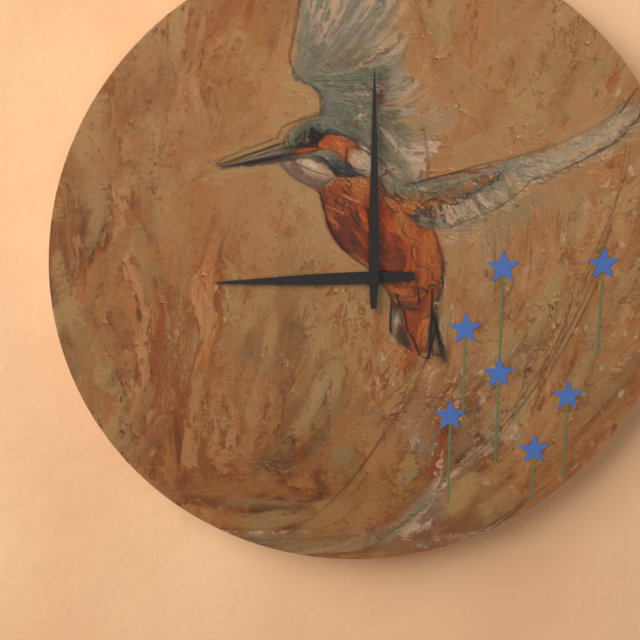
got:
h=9 m=0
